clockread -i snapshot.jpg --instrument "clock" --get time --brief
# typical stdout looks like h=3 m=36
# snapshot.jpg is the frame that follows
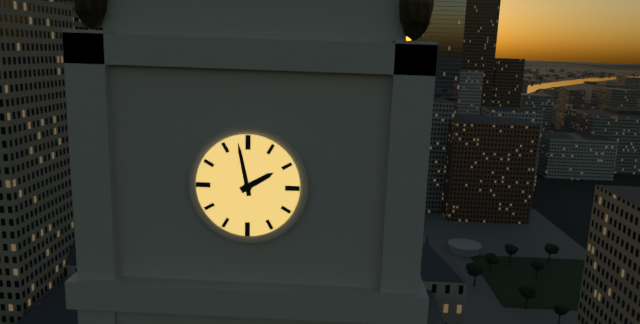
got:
h=1 m=58
